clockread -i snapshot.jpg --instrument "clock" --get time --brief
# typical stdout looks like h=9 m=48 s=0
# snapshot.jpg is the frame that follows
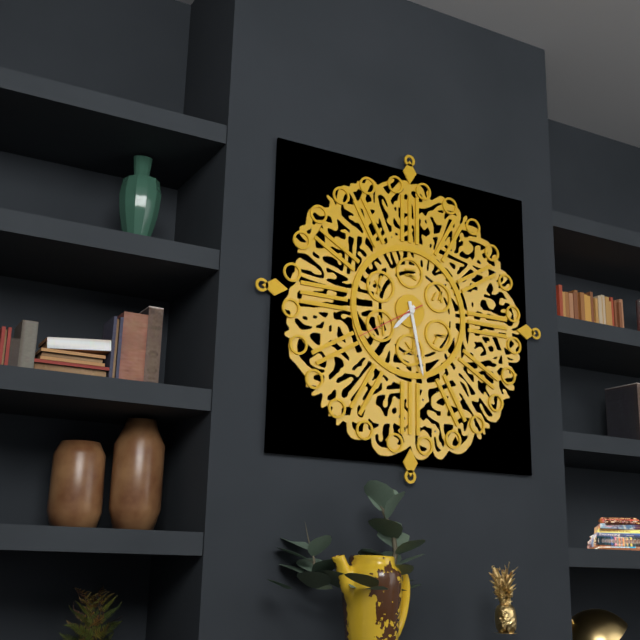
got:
h=7 m=28 s=40
